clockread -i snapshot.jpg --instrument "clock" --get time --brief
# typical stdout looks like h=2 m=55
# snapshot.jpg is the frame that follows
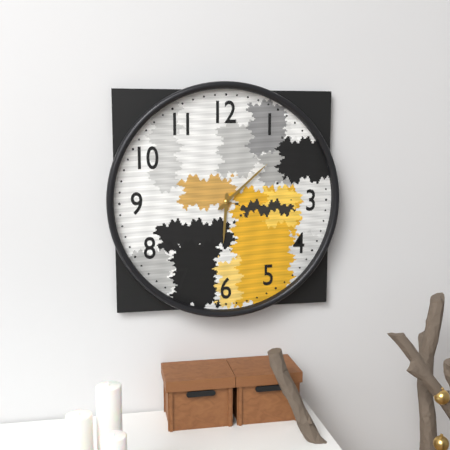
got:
h=6 m=8
